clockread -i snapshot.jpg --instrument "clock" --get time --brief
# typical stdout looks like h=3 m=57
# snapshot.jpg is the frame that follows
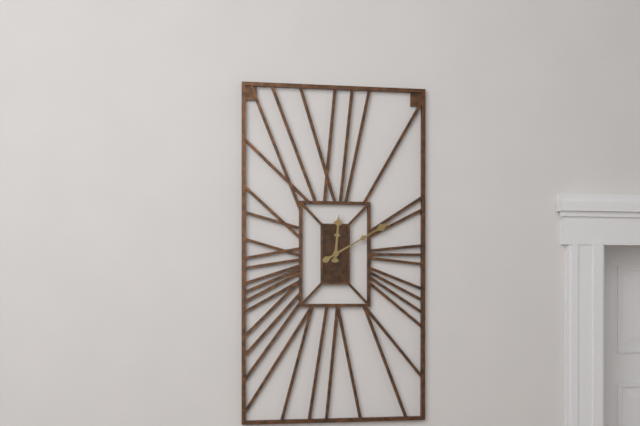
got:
h=12 m=10
